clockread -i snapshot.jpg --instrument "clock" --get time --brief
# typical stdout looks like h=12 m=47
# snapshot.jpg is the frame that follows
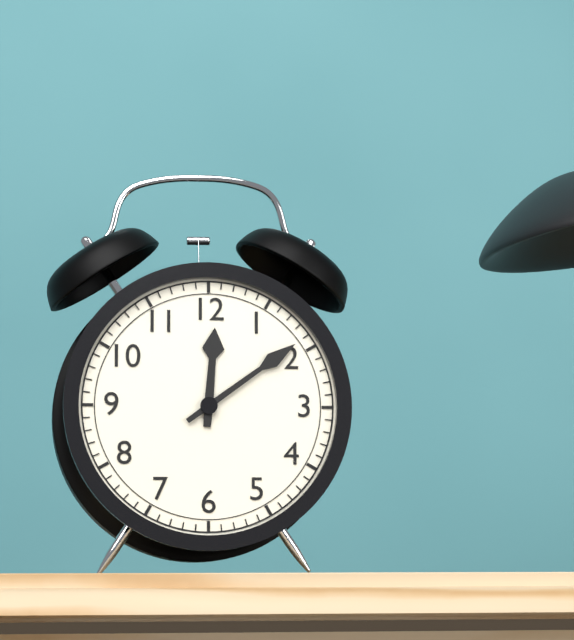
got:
h=12 m=9
